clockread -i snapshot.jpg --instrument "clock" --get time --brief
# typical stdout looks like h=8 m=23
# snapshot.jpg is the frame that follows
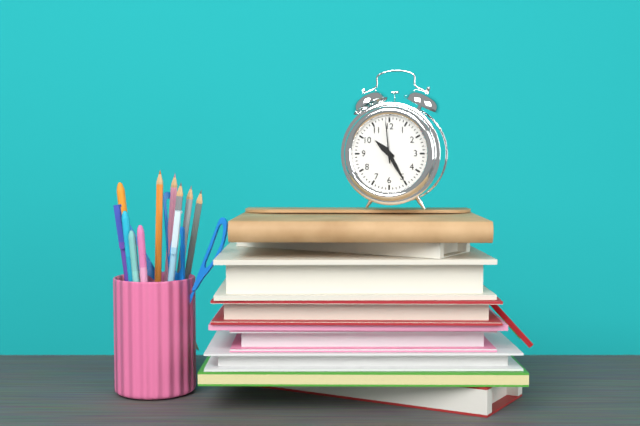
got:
h=10 m=25
